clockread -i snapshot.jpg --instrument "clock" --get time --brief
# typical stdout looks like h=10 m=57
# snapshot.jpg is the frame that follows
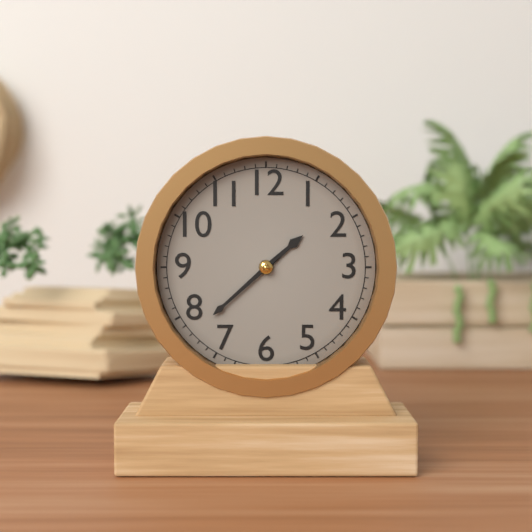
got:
h=1 m=38
